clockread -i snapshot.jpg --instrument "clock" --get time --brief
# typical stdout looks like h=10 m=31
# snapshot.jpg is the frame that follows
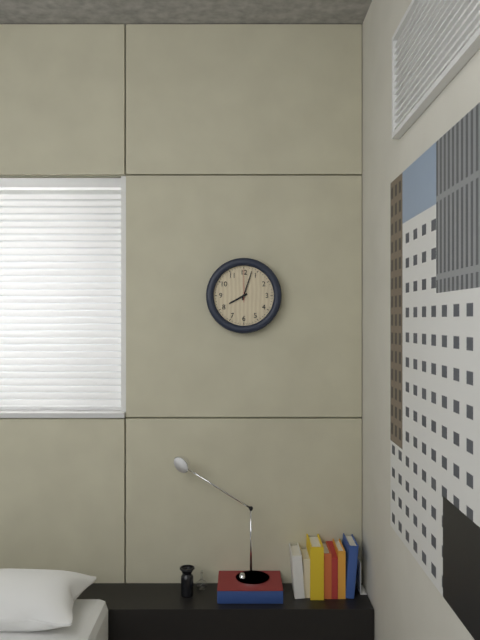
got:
h=8 m=3
